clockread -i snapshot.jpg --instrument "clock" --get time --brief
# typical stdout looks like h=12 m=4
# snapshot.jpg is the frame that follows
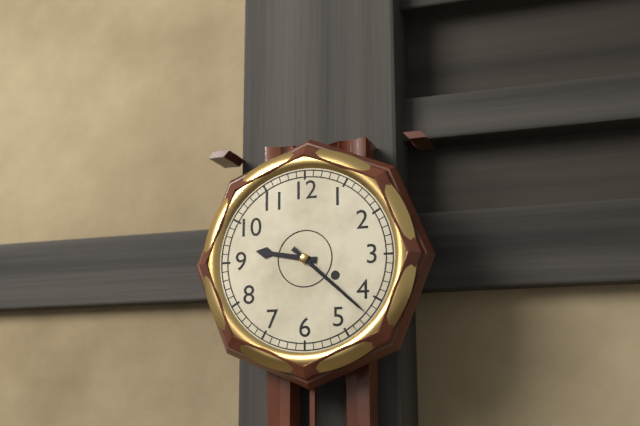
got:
h=9 m=22
